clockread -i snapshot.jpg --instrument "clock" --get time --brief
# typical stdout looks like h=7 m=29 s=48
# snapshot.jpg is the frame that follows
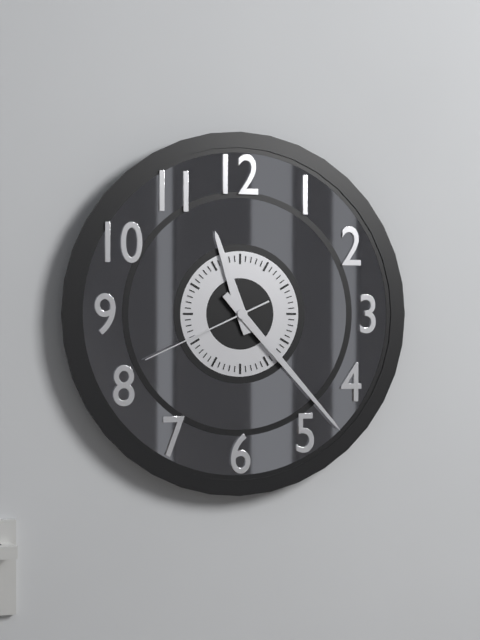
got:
h=11 m=23 s=41
